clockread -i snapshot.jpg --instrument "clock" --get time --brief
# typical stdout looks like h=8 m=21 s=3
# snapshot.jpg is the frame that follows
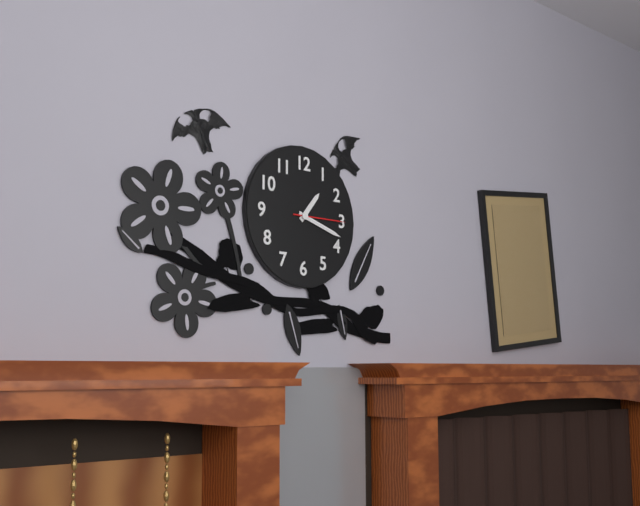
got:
h=1 m=18 s=15
